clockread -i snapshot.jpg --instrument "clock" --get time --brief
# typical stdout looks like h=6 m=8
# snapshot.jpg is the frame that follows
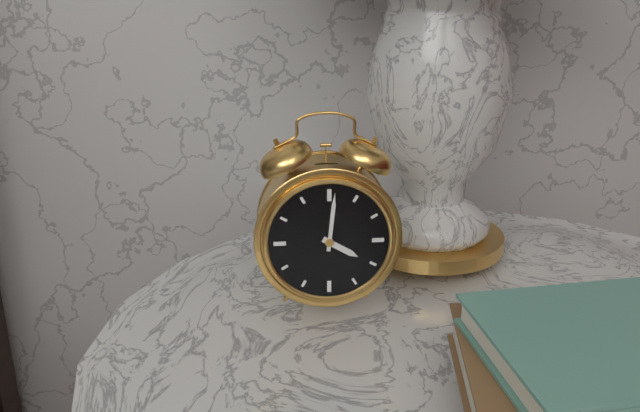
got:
h=4 m=1
